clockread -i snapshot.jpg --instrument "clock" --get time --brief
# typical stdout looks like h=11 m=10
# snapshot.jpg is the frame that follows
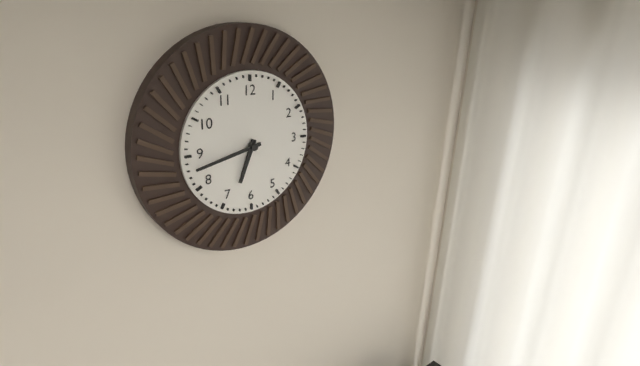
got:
h=6 m=43
